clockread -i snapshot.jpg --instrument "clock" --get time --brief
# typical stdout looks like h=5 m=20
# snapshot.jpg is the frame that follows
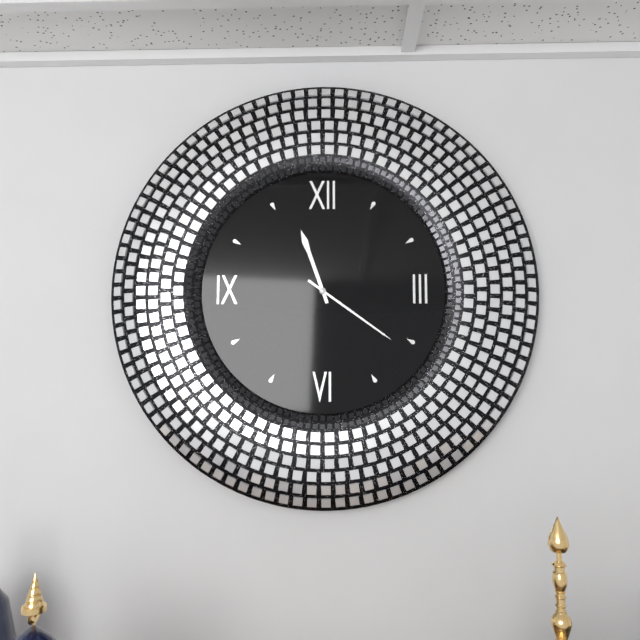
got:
h=11 m=21
